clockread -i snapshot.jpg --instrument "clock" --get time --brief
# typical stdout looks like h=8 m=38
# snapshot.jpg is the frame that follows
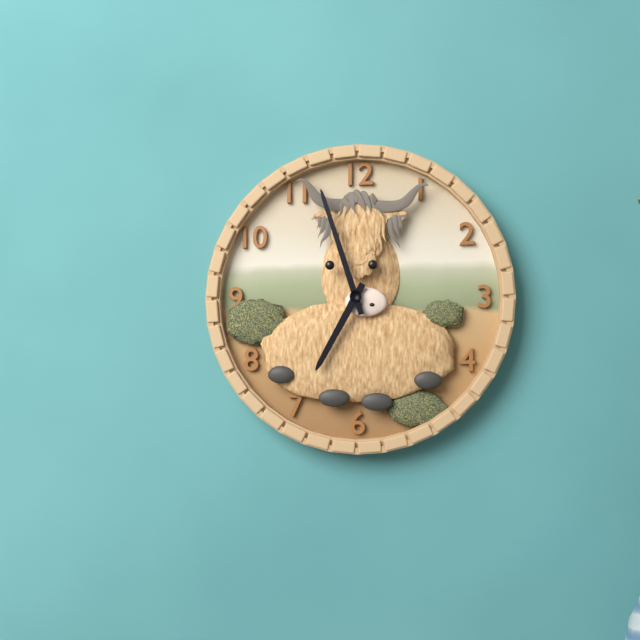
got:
h=6 m=57
